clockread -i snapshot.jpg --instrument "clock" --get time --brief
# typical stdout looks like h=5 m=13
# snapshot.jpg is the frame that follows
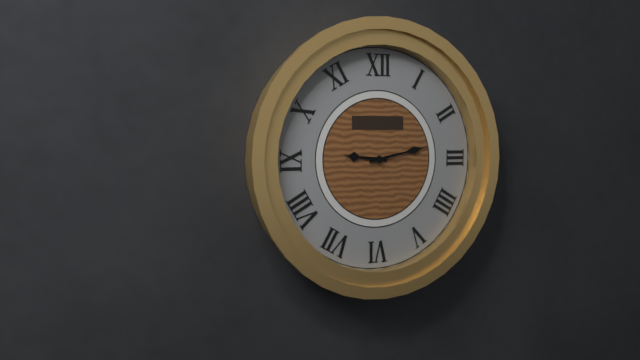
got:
h=9 m=13
